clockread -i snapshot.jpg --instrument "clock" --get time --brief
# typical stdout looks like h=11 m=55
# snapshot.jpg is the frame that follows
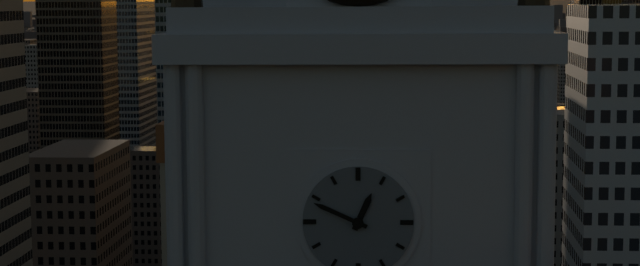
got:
h=12 m=49
